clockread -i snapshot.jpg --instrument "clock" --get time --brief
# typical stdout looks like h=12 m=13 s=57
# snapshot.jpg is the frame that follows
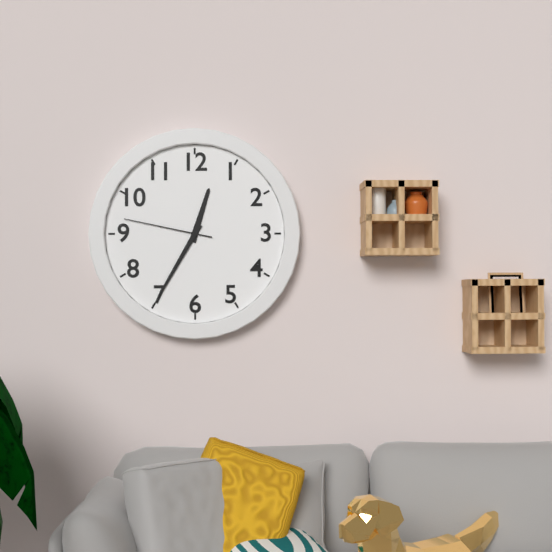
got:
h=12 m=35 s=47
